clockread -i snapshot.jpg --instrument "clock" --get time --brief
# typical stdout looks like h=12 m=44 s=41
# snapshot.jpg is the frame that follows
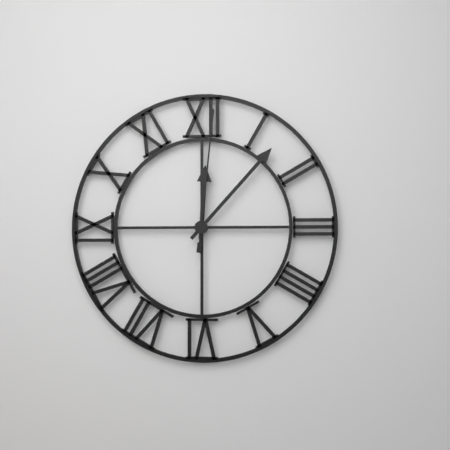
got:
h=12 m=7 s=1
